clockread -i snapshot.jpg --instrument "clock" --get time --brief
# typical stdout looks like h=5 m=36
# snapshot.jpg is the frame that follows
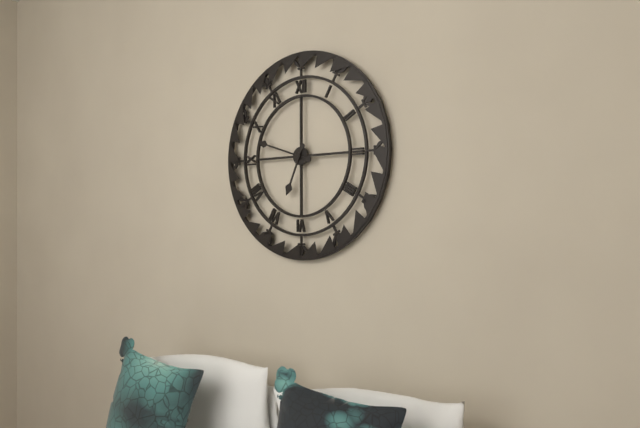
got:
h=6 m=48
